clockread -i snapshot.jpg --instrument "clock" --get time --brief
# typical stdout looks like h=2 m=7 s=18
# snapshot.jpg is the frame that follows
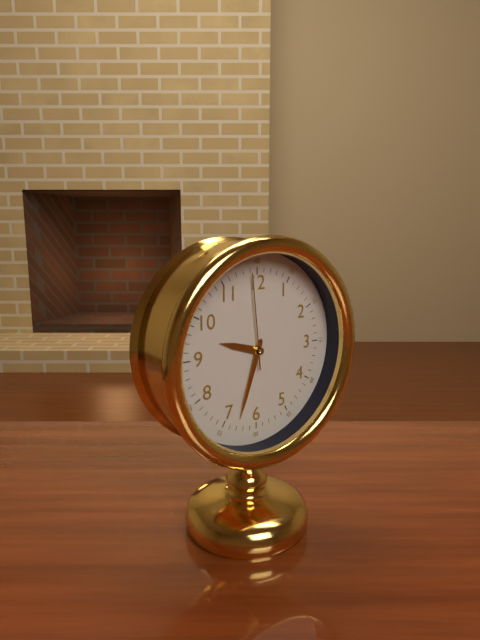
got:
h=9 m=33 s=59
